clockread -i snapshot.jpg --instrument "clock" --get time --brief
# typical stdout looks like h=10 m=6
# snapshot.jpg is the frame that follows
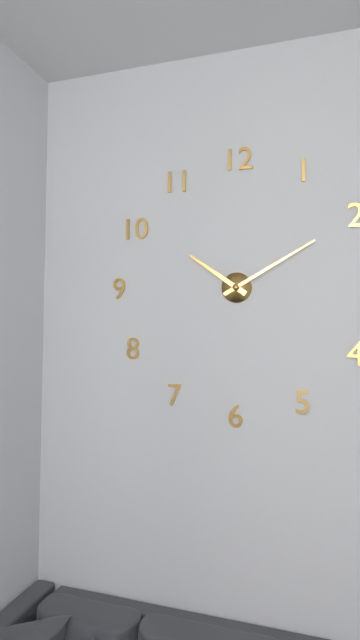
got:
h=10 m=10
